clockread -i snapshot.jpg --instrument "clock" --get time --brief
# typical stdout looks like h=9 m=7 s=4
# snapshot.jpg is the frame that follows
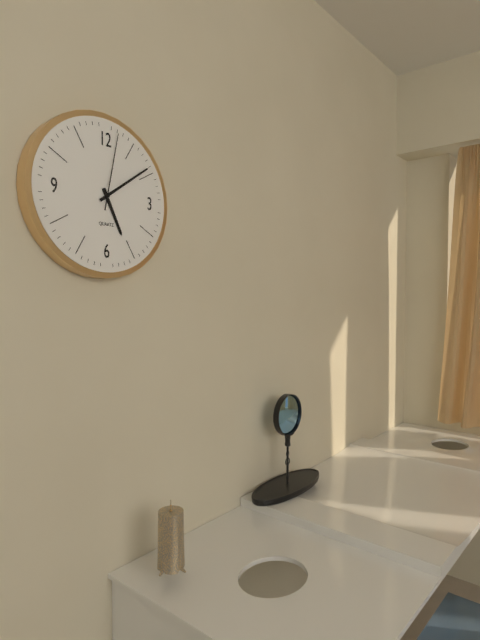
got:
h=5 m=9 s=2
